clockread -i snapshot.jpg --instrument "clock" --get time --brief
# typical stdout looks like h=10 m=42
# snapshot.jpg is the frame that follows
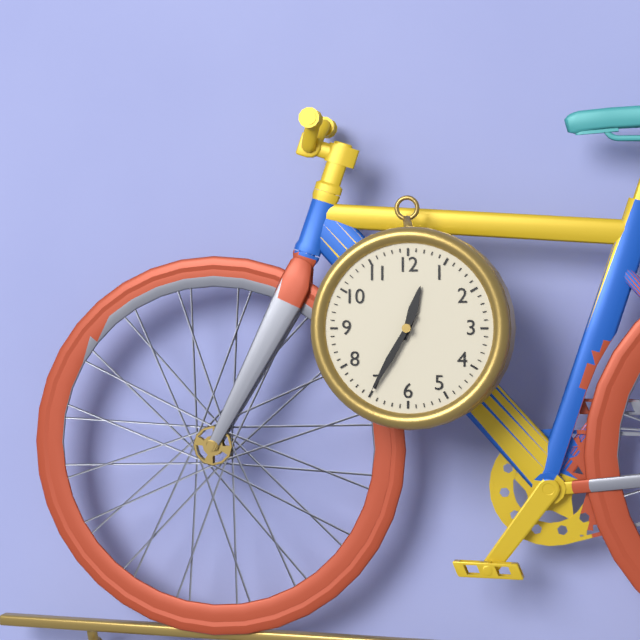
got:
h=12 m=35
